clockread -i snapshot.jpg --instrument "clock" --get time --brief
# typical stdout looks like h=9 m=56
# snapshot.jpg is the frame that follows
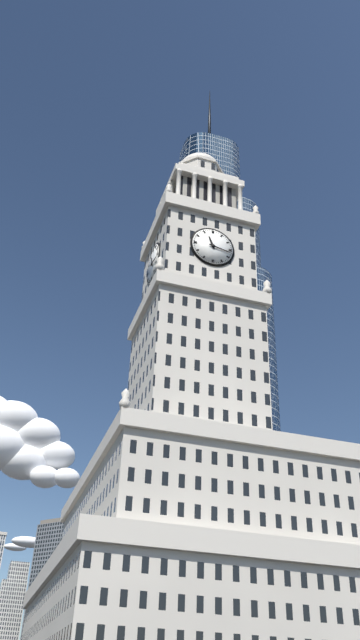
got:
h=11 m=17
